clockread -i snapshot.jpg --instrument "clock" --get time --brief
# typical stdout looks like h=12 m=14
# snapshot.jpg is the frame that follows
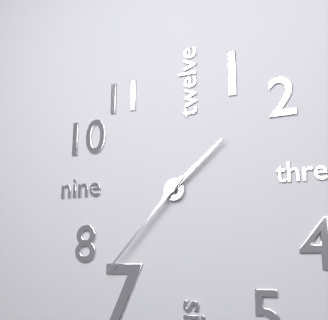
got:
h=1 m=37
